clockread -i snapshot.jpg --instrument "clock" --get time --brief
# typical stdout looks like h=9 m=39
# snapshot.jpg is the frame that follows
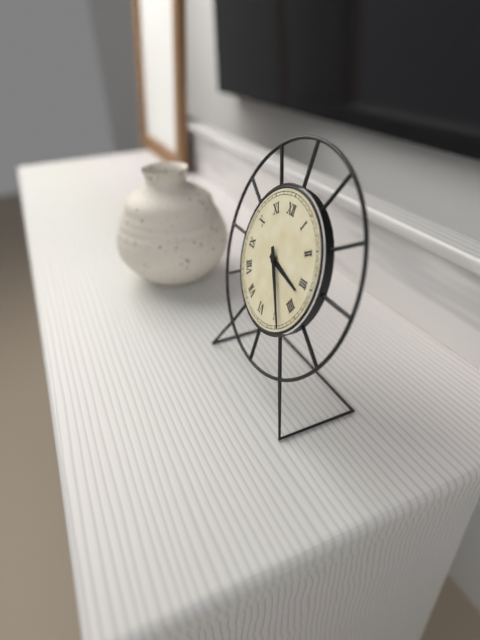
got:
h=3 m=24
